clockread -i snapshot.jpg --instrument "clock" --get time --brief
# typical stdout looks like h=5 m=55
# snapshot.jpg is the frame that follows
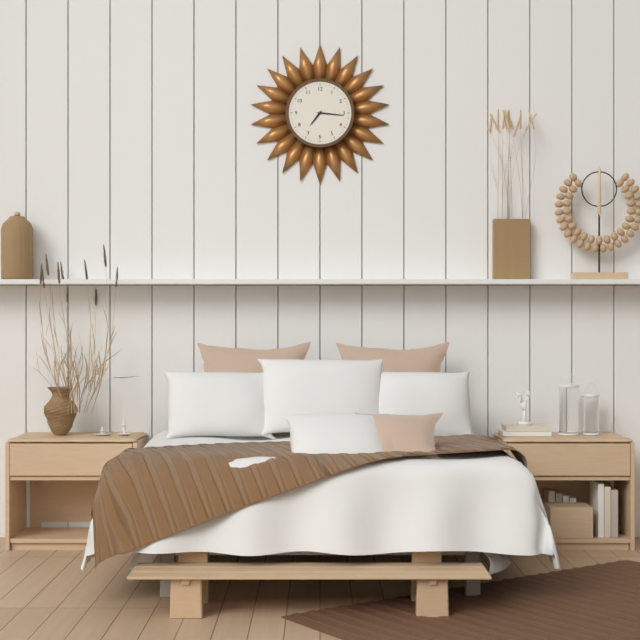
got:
h=7 m=16
